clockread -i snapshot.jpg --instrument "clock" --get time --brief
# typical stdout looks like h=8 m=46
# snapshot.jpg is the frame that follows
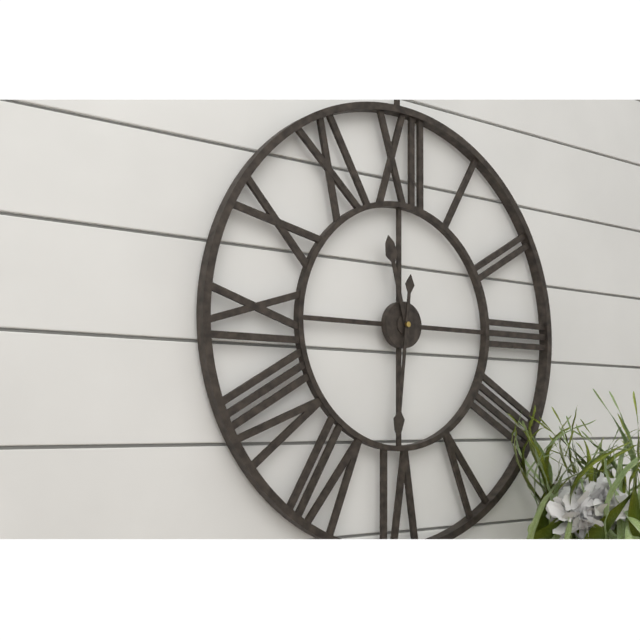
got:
h=11 m=31
